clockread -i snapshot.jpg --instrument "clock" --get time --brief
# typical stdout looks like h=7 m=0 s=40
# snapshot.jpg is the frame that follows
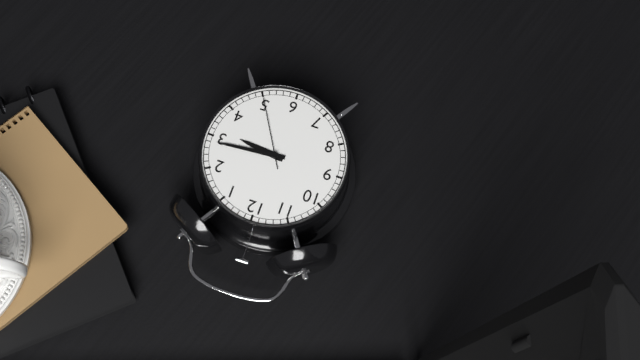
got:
h=3 m=14 s=25
